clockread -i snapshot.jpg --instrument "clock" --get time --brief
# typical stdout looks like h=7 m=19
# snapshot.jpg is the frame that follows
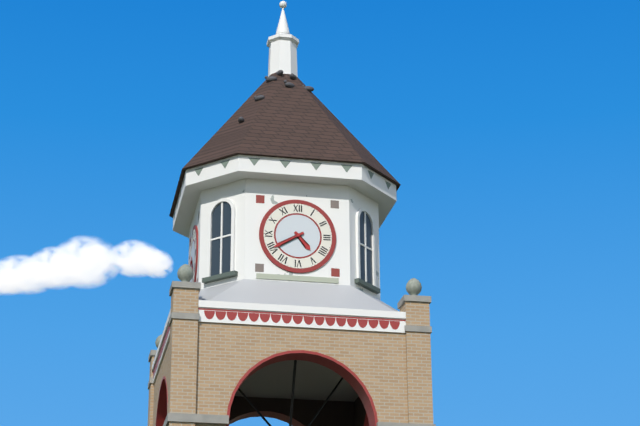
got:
h=4 m=40
